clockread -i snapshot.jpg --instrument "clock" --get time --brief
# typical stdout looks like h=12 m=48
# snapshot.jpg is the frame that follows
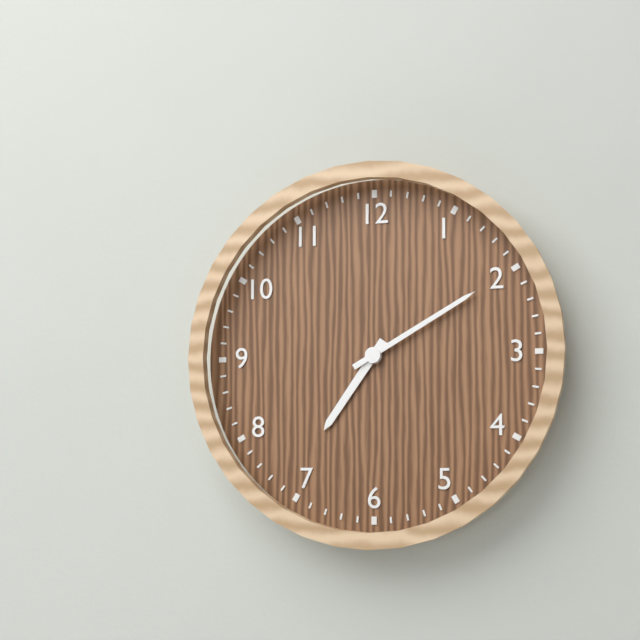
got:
h=7 m=10
